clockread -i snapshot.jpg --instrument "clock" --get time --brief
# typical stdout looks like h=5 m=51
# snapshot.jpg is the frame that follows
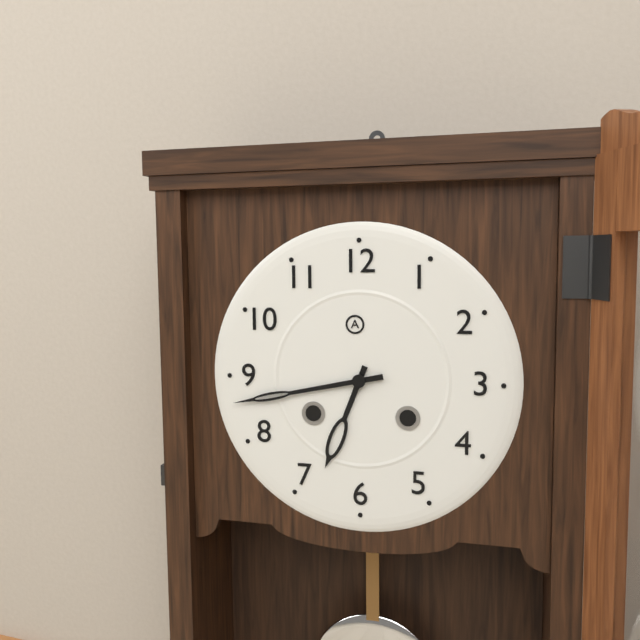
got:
h=6 m=43
